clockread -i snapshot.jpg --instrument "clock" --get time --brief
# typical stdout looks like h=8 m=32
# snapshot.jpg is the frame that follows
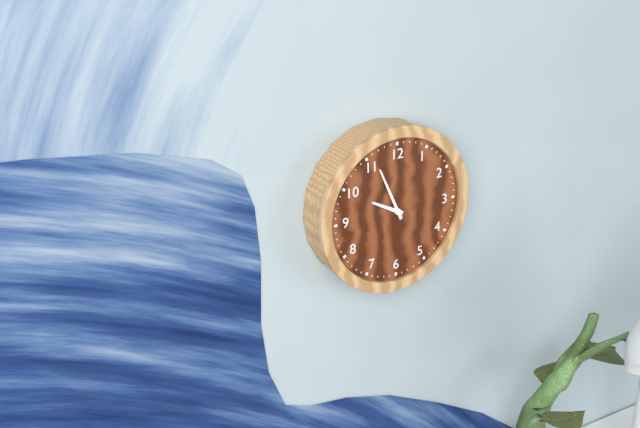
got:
h=9 m=56
